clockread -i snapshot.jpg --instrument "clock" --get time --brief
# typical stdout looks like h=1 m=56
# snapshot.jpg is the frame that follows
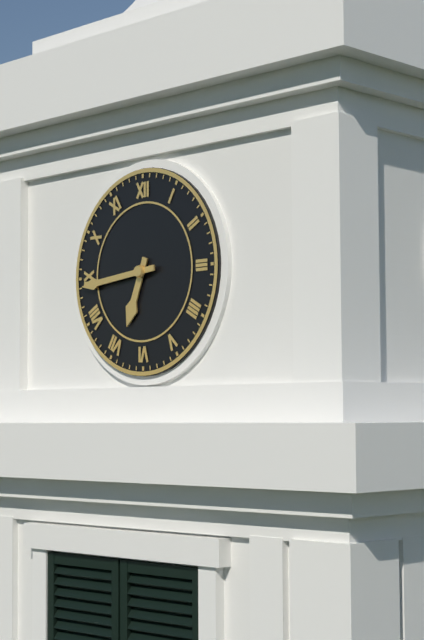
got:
h=6 m=44
